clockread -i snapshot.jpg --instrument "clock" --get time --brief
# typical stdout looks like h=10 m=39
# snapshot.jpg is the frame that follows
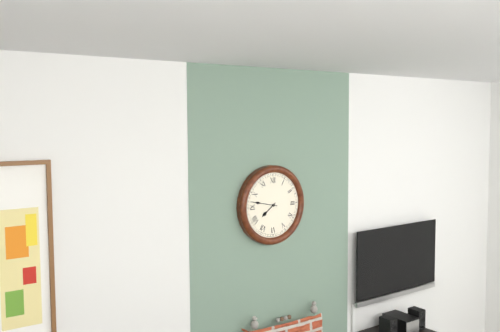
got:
h=7 m=47
